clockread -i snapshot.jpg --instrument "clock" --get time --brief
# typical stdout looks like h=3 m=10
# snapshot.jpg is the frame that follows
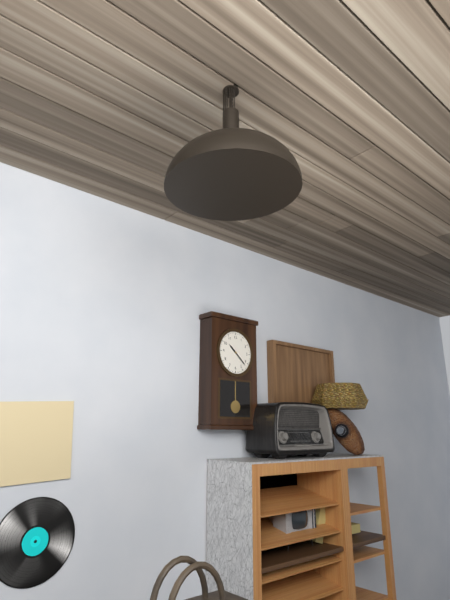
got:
h=10 m=22
